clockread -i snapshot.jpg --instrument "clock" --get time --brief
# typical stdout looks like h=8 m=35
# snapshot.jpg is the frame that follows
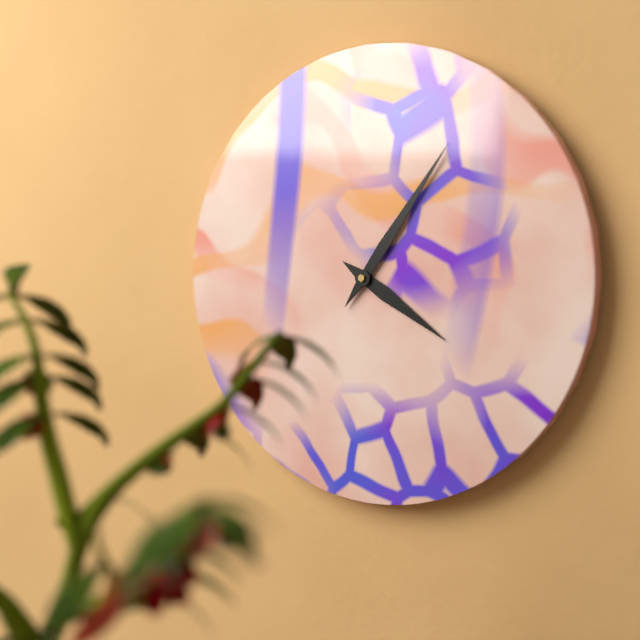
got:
h=4 m=6
